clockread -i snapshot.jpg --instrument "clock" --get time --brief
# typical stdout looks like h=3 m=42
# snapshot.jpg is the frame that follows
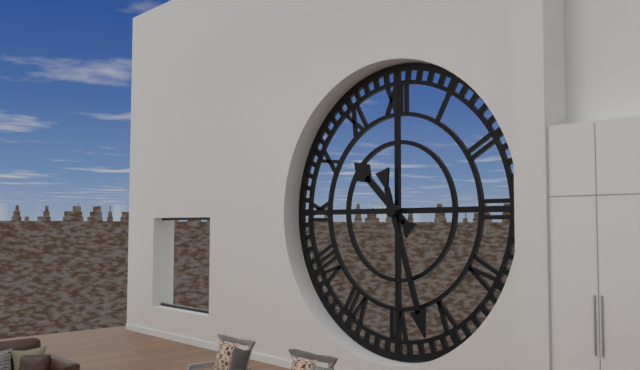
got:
h=10 m=27
